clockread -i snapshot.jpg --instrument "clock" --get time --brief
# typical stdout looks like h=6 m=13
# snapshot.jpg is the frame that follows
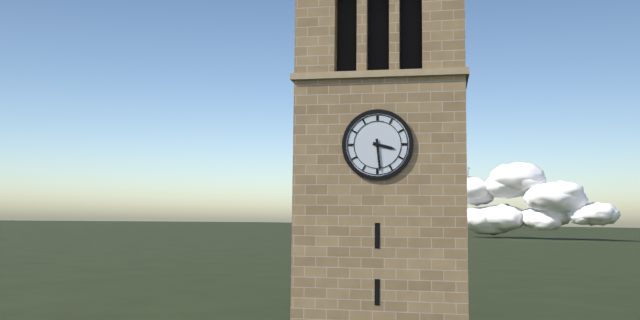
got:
h=3 m=29
